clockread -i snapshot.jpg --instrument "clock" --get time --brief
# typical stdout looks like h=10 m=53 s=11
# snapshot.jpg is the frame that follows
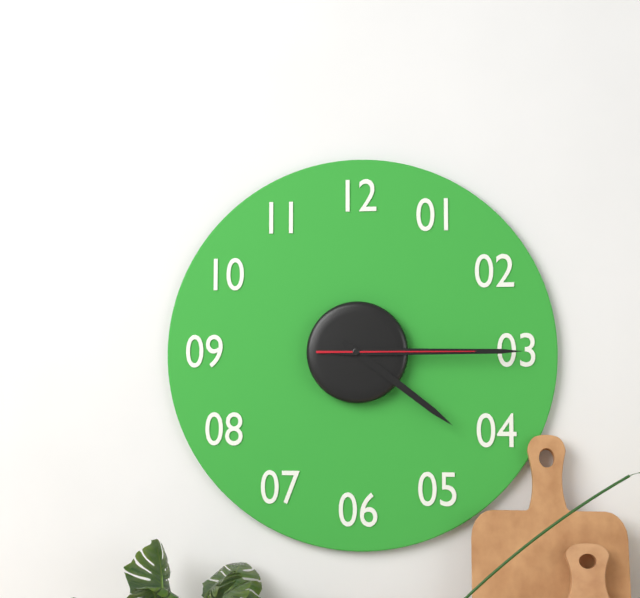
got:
h=4 m=15 s=15
